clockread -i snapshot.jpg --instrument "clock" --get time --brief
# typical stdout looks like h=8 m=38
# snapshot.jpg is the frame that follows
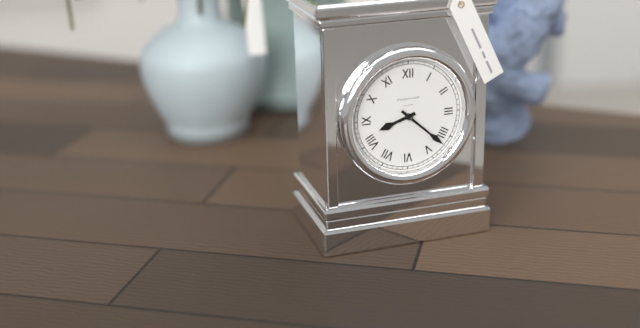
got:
h=8 m=22
